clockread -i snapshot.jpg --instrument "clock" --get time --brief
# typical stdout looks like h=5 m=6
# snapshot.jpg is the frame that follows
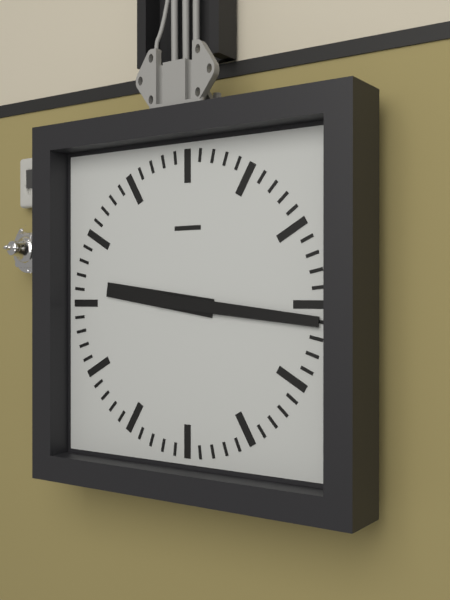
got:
h=9 m=16
